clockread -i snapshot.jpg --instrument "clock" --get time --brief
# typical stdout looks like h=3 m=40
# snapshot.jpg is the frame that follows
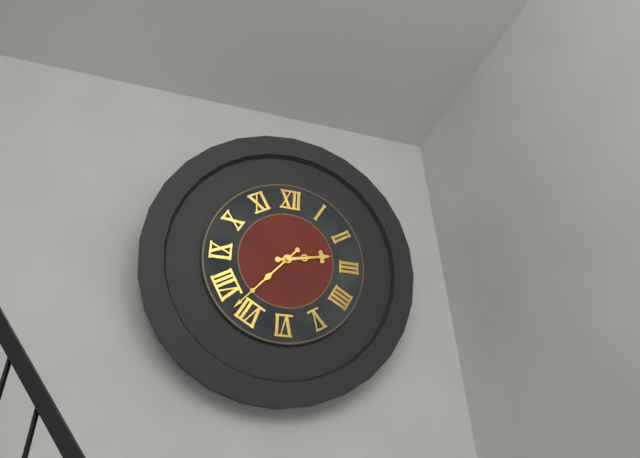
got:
h=2 m=37
